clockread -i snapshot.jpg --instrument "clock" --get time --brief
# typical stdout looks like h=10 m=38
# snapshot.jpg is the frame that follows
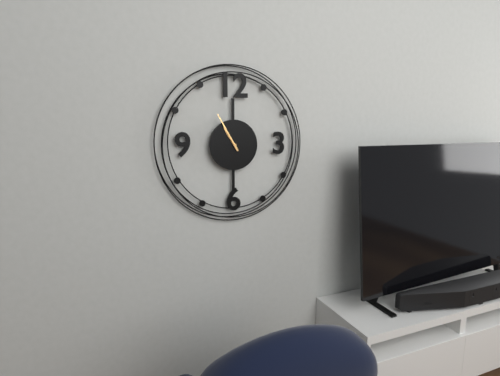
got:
h=10 m=55
